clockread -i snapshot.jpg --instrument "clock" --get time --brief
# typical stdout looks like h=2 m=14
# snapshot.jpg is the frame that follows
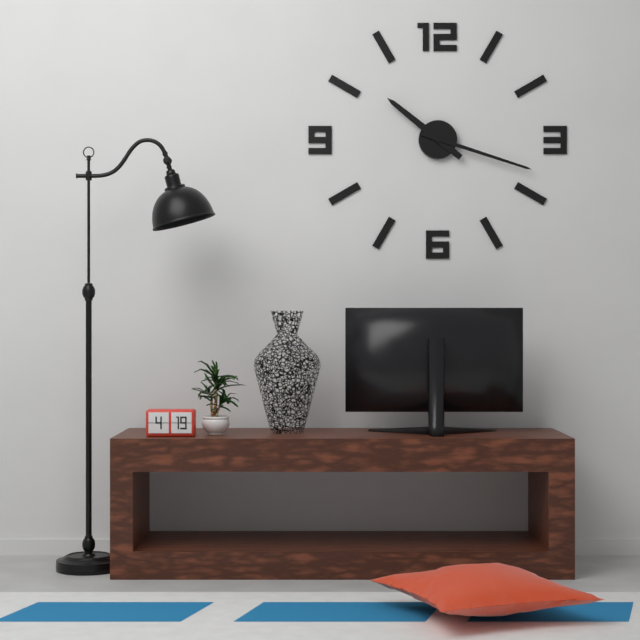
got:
h=10 m=18
